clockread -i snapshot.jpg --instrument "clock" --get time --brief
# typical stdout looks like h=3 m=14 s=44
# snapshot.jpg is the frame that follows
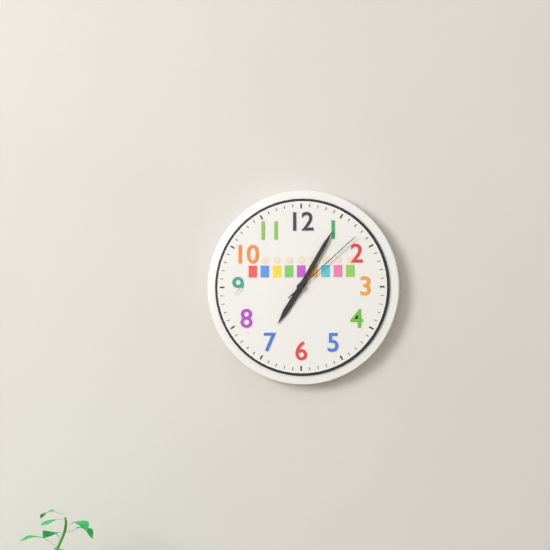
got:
h=7 m=5 s=8
